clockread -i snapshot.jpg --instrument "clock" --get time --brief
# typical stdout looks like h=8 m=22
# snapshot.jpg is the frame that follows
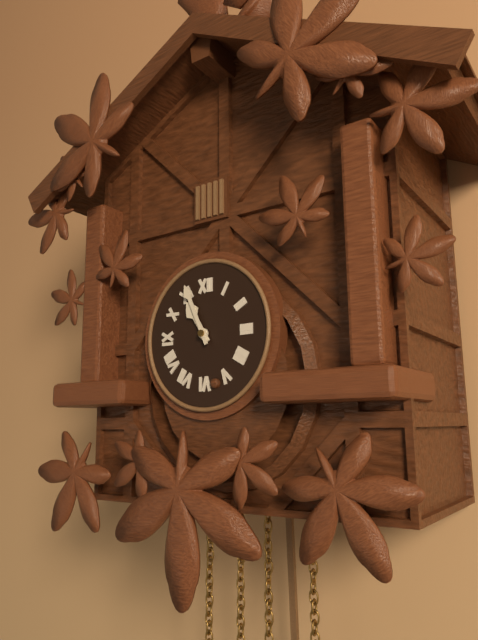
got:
h=10 m=56
